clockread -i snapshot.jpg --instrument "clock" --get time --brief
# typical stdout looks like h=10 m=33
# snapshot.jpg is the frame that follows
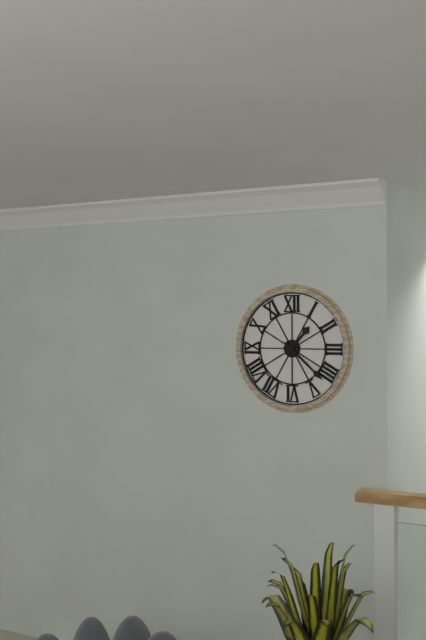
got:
h=1 m=22
